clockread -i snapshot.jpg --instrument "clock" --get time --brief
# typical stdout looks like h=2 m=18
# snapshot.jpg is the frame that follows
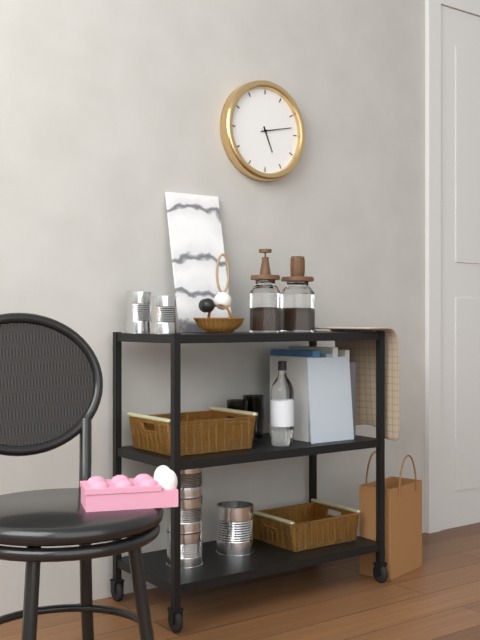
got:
h=5 m=13
